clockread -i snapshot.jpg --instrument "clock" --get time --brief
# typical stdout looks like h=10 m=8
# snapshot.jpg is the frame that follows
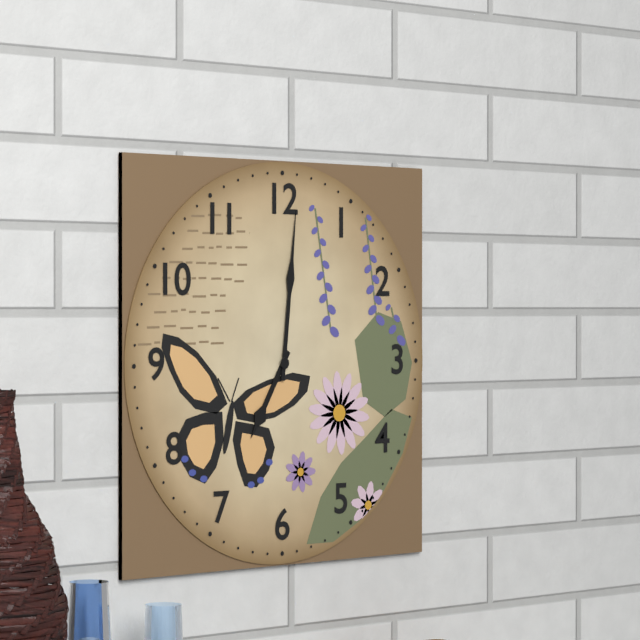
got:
h=7 m=1
